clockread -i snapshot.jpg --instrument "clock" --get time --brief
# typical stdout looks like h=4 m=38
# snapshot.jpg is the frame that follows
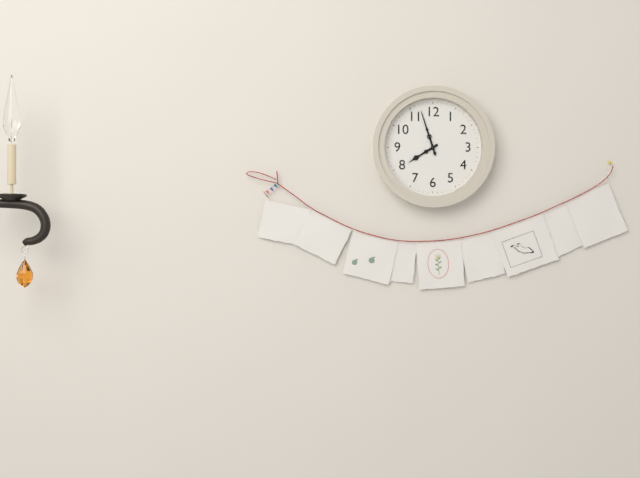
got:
h=7 m=57
